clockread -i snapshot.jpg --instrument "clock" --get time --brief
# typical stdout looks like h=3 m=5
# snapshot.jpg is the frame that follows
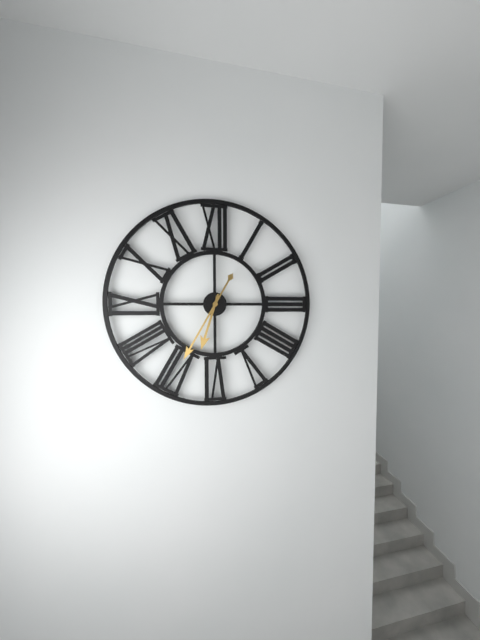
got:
h=6 m=35
